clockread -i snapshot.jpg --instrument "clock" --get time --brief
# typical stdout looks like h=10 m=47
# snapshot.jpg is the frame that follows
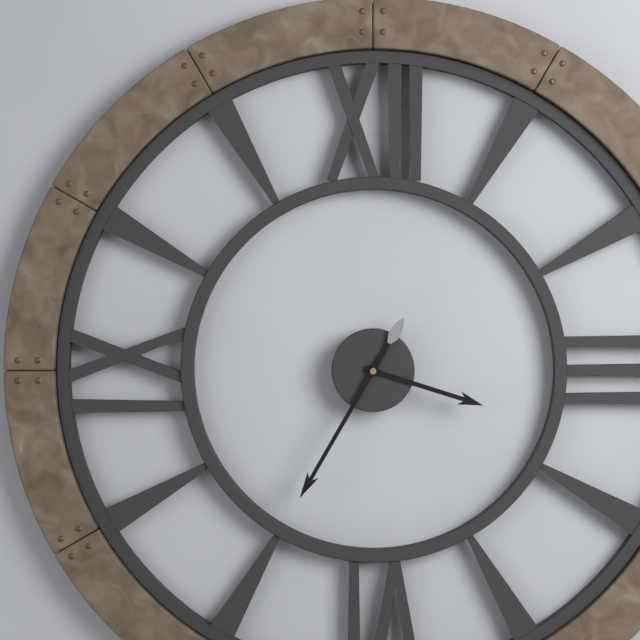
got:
h=3 m=35
